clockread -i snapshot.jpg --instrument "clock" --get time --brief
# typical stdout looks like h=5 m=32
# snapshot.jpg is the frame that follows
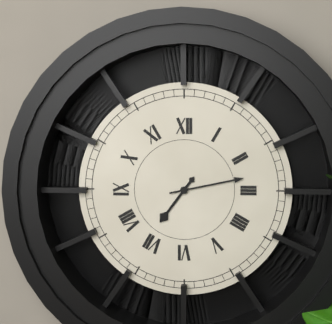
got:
h=7 m=13
